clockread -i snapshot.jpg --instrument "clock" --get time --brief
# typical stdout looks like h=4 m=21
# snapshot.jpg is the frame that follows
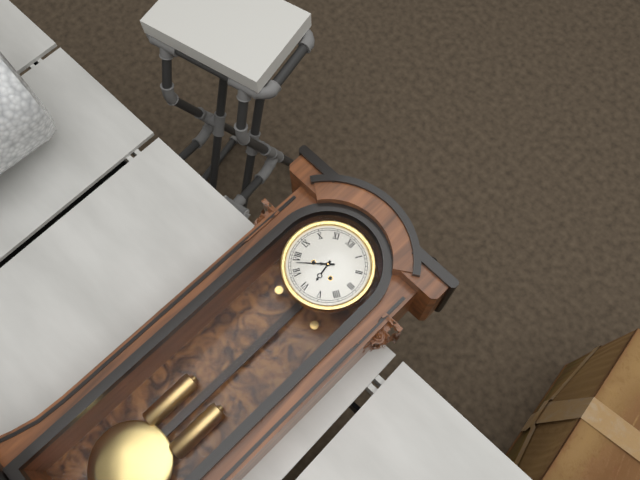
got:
h=5 m=38
